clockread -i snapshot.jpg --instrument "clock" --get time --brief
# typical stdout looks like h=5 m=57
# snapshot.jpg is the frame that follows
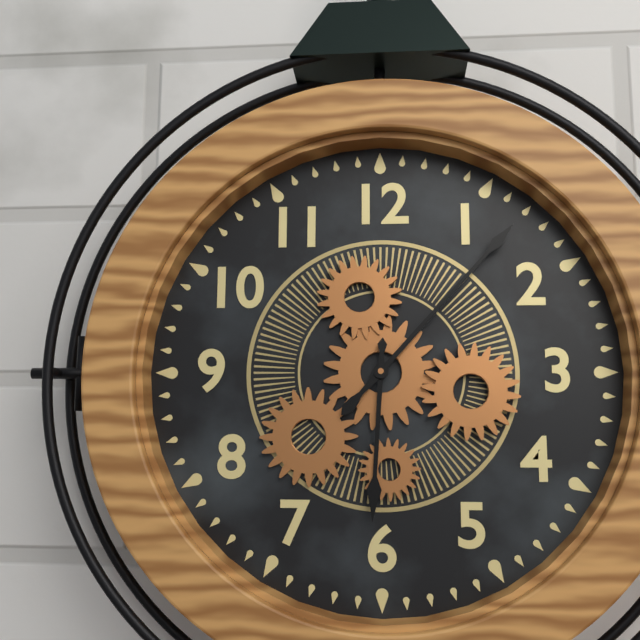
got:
h=6 m=7
